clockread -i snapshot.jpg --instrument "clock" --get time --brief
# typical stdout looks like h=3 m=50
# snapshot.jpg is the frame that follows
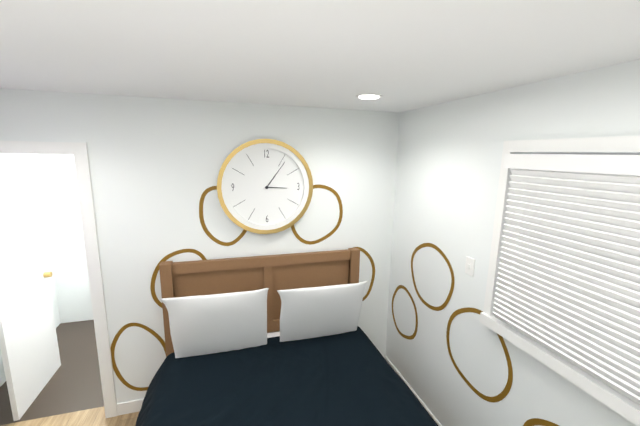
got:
h=3 m=6
